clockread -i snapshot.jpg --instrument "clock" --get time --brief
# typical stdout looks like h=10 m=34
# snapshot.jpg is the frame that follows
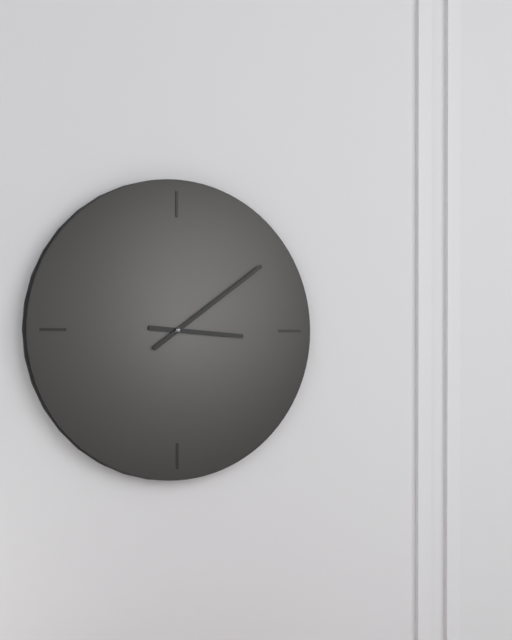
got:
h=3 m=9
